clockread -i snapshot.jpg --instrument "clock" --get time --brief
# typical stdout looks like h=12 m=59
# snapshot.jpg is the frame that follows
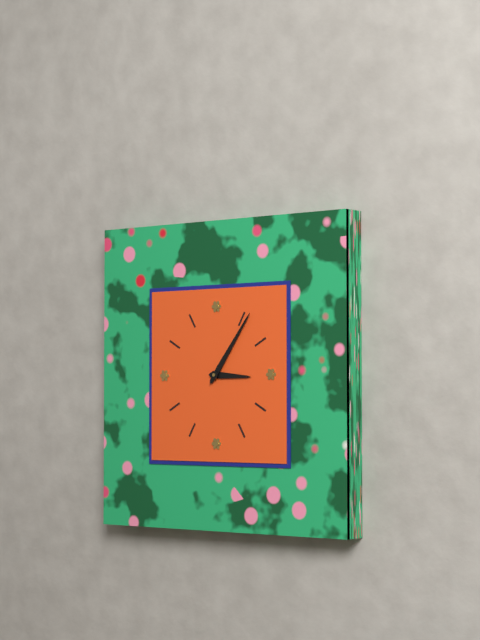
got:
h=3 m=6
